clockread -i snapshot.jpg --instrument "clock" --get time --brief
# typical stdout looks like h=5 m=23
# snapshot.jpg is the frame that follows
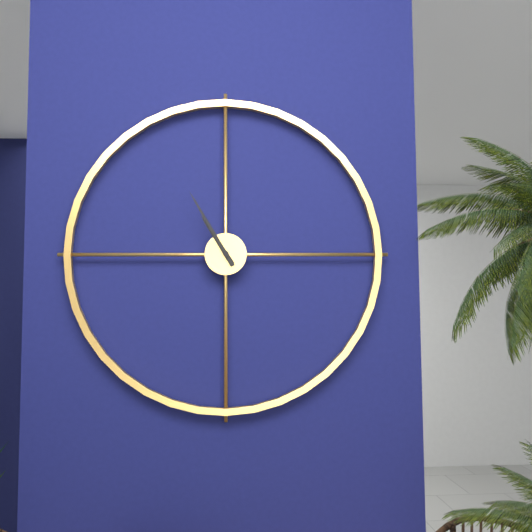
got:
h=10 m=55
